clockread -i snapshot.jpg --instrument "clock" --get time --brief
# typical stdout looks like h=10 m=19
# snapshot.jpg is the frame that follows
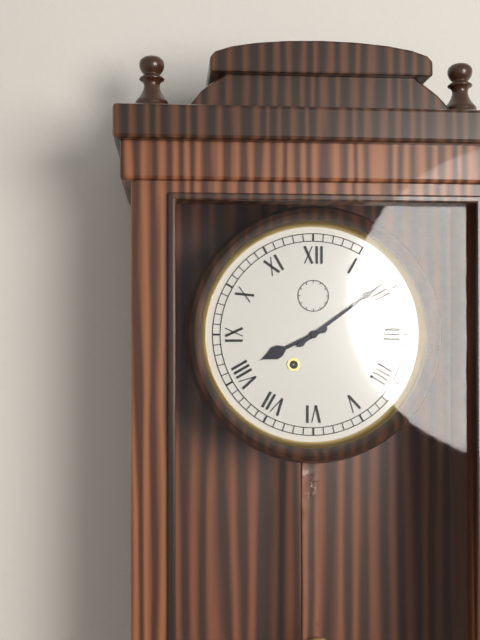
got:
h=8 m=9
